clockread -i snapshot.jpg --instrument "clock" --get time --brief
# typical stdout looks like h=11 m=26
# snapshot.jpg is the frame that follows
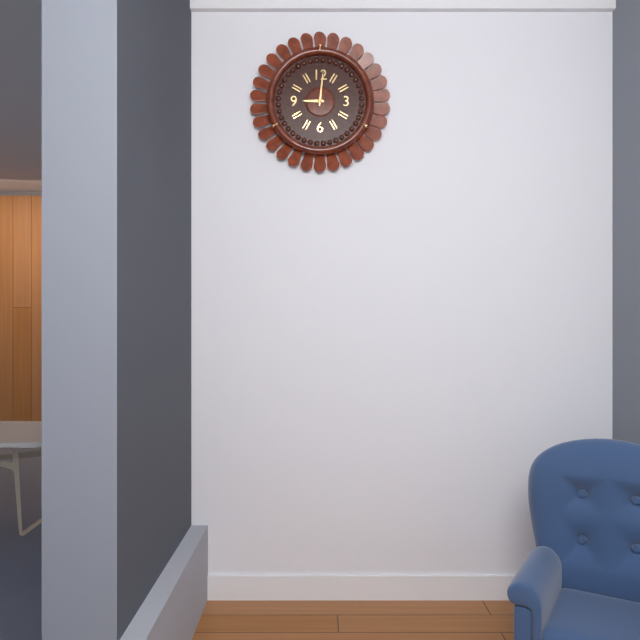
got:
h=9 m=1
